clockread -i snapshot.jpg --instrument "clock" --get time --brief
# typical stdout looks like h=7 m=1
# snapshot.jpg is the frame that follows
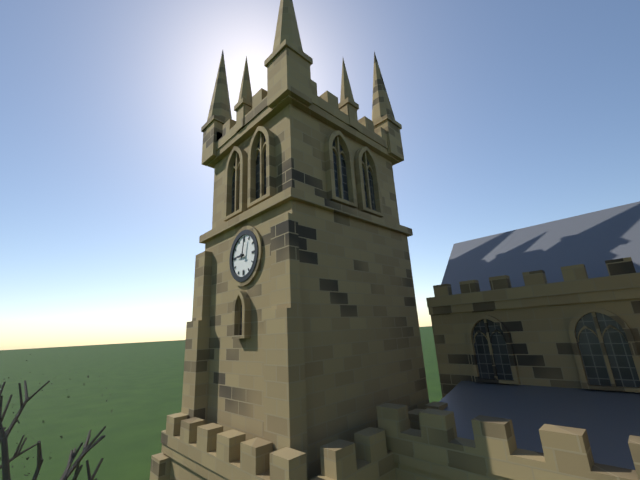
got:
h=9 m=2
